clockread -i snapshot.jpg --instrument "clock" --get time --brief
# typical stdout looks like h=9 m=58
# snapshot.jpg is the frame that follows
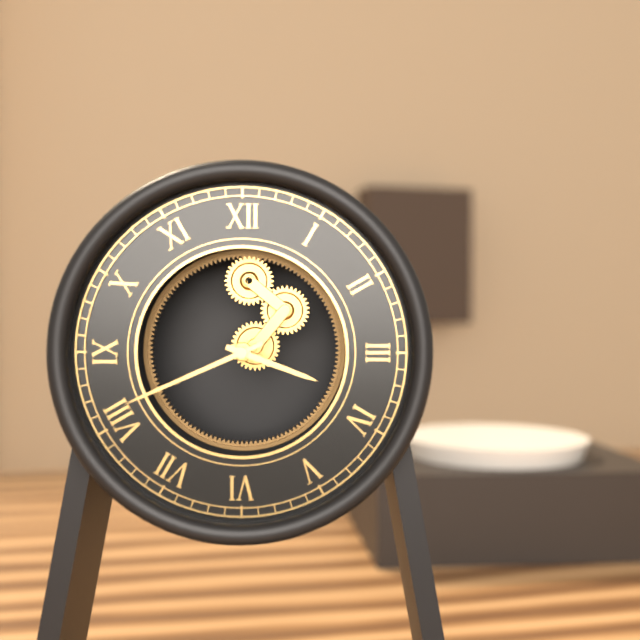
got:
h=3 m=41
